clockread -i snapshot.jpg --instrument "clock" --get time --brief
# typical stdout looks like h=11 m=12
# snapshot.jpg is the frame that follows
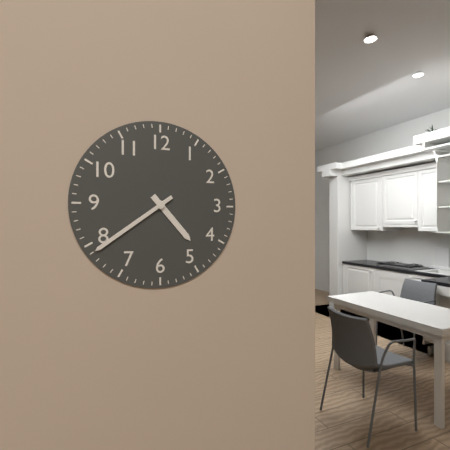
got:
h=4 m=39
